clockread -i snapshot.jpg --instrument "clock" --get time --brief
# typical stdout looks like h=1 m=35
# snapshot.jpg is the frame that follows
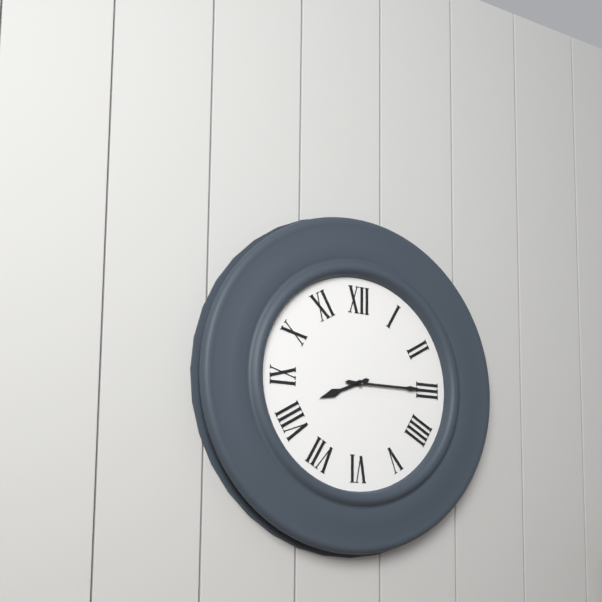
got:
h=8 m=15
